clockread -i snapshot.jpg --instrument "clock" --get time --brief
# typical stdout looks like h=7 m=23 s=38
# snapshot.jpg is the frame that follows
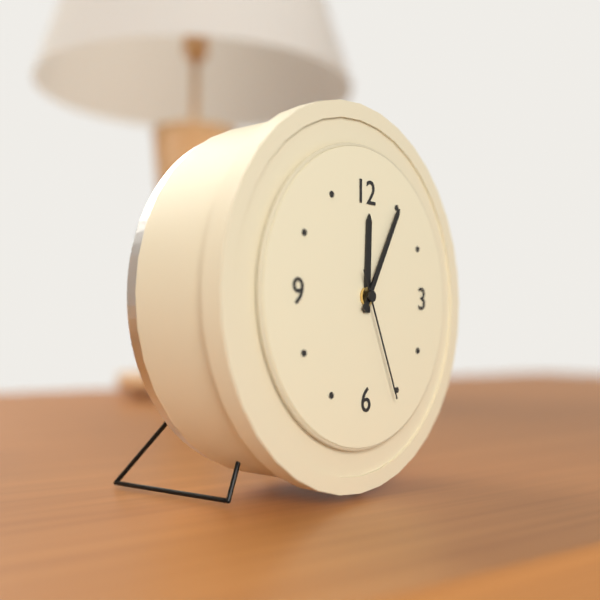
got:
h=12 m=5 s=26
